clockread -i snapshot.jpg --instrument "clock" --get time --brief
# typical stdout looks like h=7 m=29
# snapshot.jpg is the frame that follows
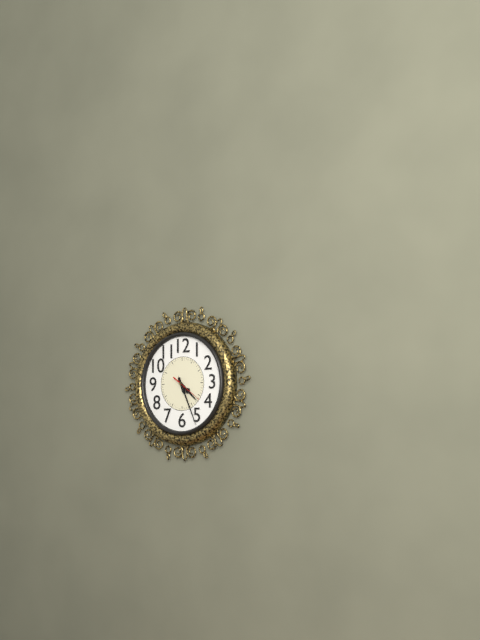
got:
h=4 m=26
